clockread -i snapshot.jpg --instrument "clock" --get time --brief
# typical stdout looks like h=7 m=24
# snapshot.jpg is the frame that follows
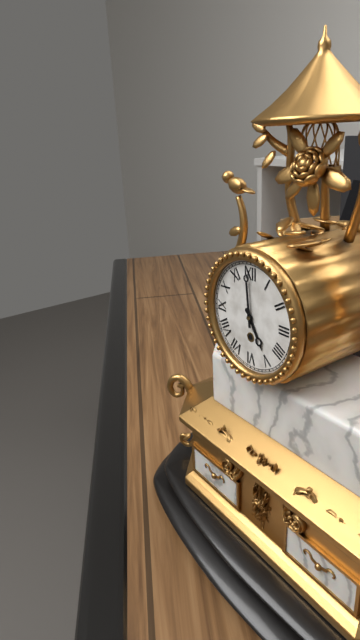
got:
h=4 m=59
